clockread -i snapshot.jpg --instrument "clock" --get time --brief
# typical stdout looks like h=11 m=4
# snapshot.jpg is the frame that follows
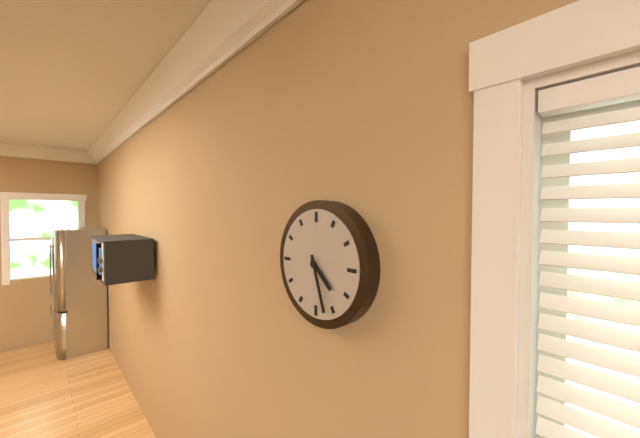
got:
h=4 m=27
